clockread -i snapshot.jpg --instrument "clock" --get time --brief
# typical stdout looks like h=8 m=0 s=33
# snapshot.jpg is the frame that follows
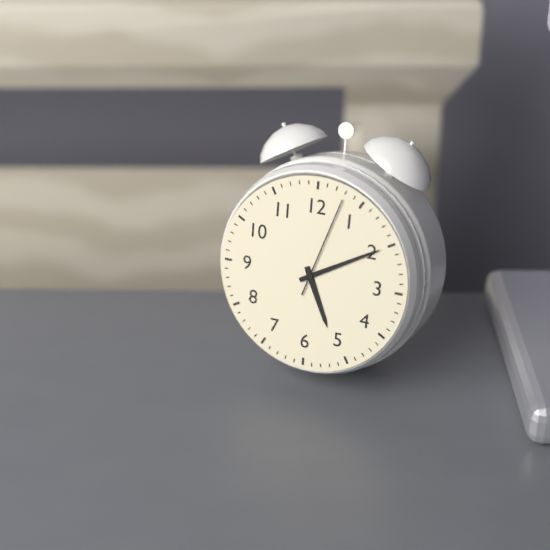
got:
h=5 m=10 s=3
